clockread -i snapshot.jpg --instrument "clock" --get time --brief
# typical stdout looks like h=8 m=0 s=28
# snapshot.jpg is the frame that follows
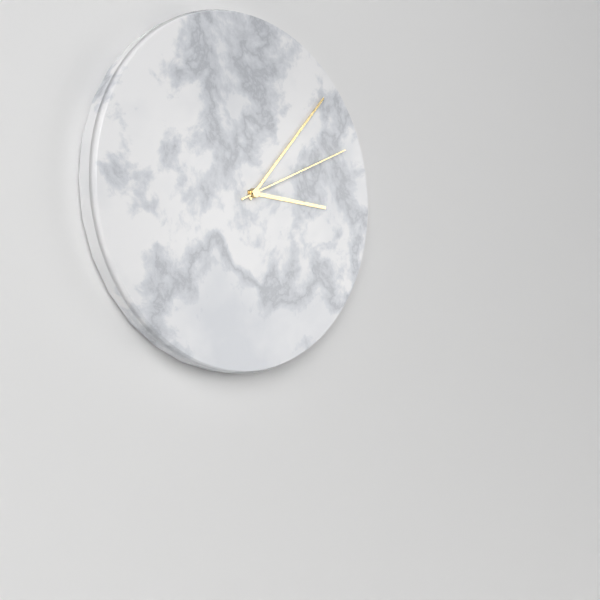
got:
h=3 m=7 s=11
